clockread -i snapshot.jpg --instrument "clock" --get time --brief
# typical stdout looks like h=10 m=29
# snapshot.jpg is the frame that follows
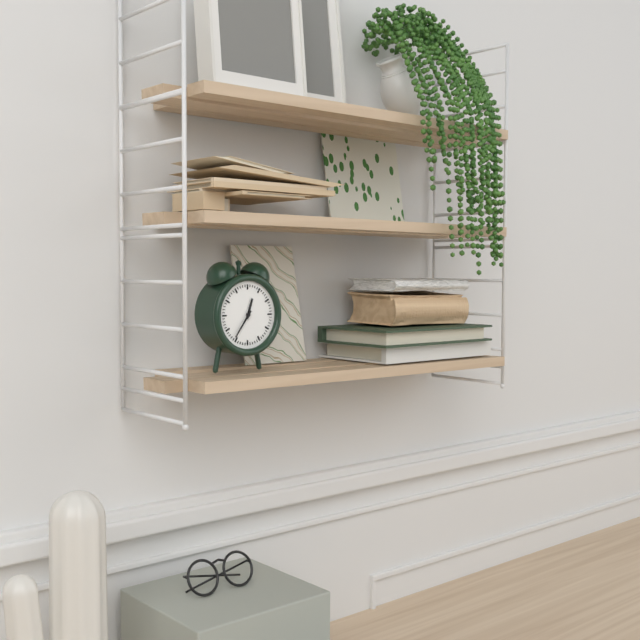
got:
h=12 m=36
